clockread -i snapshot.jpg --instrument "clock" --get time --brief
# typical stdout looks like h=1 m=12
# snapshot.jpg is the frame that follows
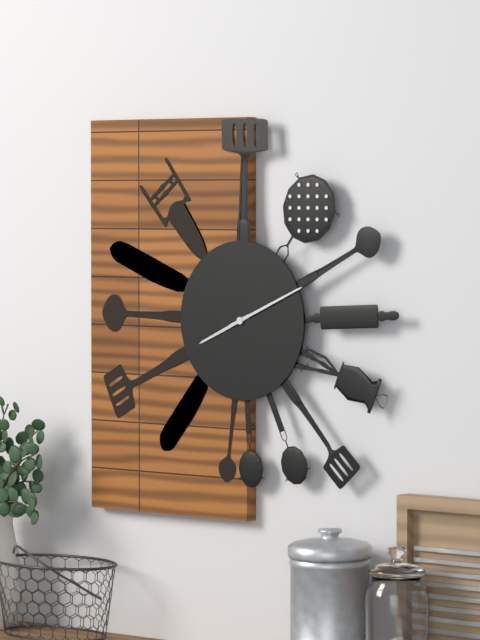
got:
h=8 m=11
